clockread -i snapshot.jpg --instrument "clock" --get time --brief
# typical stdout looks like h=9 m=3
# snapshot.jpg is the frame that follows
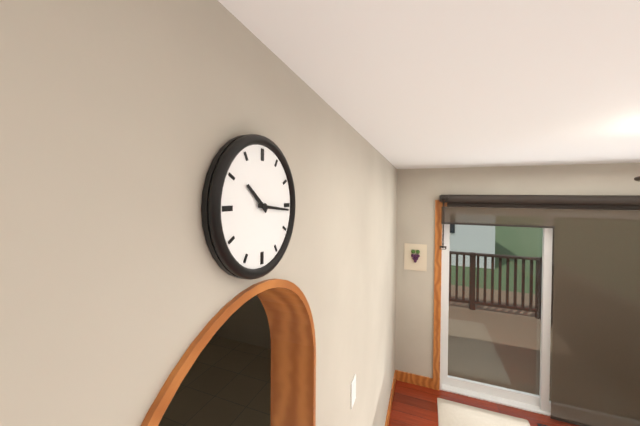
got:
h=10 m=16
